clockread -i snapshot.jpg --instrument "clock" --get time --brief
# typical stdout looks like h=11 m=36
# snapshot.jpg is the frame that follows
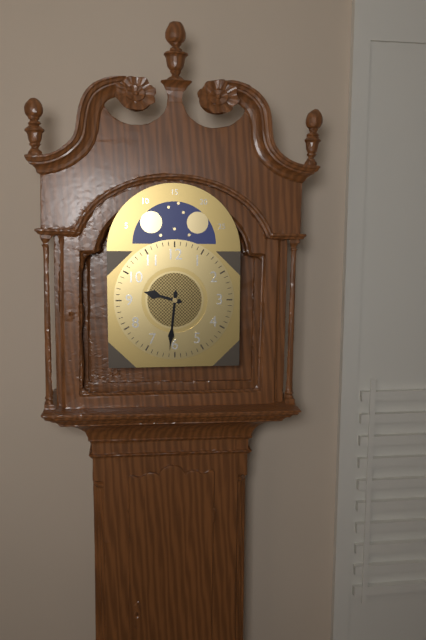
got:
h=9 m=31
